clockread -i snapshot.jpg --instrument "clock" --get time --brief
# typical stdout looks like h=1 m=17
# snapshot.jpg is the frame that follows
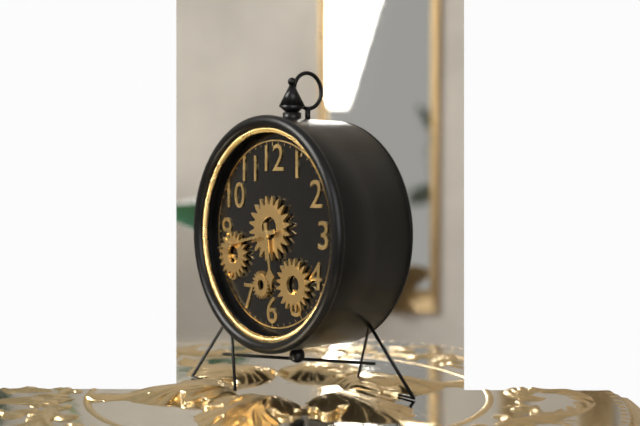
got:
h=5 m=43
